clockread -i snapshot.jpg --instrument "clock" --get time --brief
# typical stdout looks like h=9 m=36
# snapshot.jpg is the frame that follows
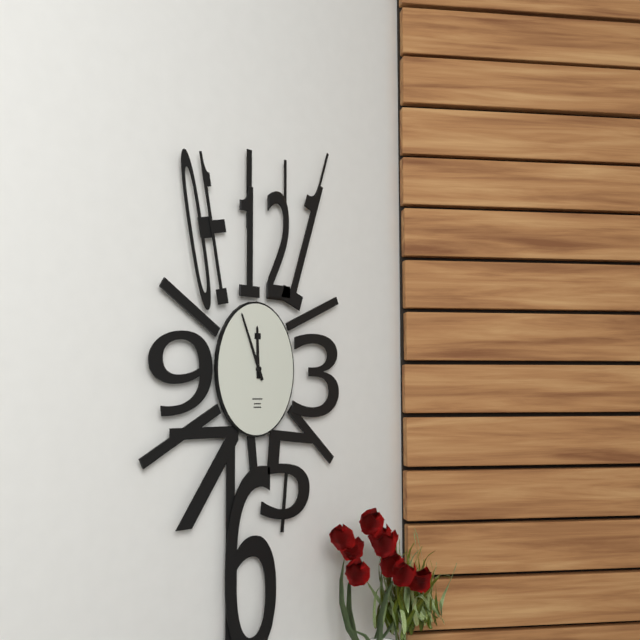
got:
h=11 m=56
